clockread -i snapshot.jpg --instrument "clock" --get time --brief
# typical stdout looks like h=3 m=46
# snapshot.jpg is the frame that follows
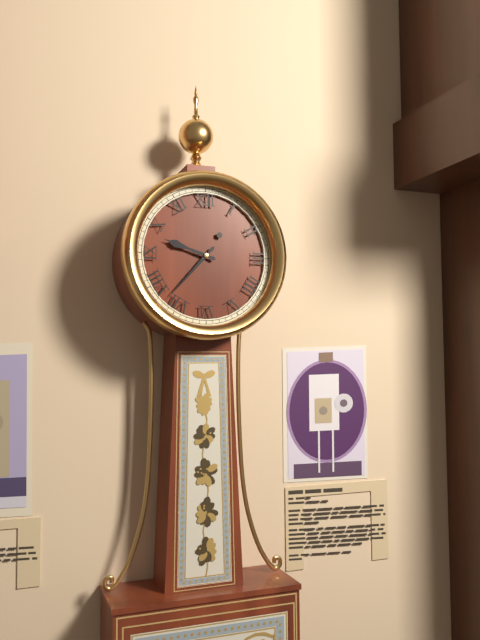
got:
h=9 m=37
